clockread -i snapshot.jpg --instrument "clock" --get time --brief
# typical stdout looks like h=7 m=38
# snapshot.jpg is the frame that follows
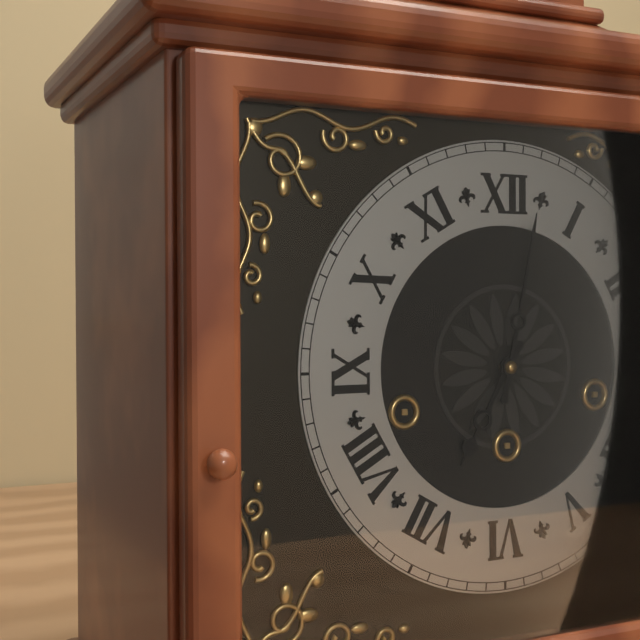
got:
h=7 m=2
